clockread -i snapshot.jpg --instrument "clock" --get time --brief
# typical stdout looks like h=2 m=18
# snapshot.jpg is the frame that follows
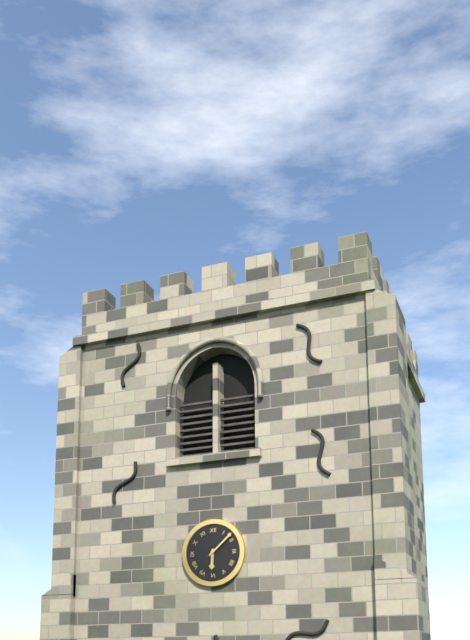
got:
h=6 m=8
